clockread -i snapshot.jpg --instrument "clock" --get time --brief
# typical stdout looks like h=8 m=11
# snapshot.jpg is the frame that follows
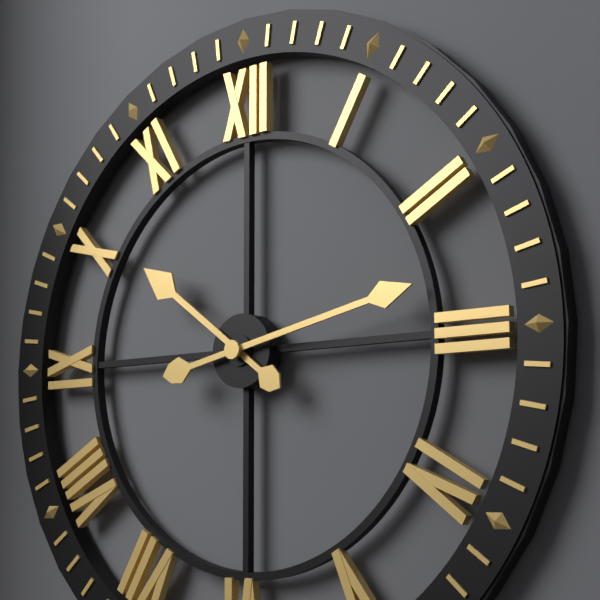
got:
h=10 m=13
